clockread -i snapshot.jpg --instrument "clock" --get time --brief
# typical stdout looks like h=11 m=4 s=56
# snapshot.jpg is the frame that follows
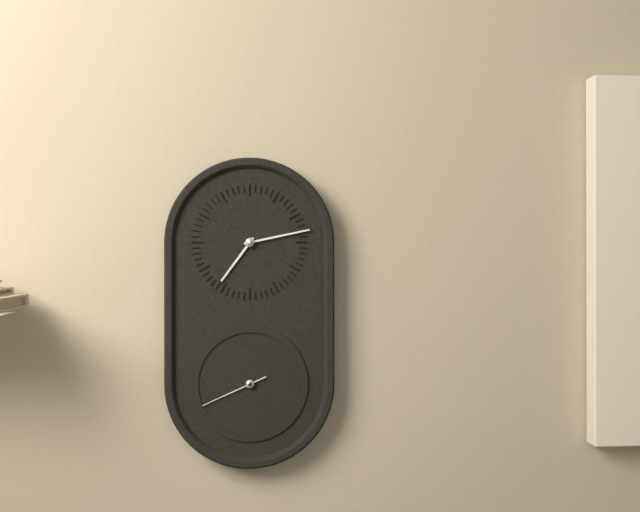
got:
h=7 m=13 s=41
